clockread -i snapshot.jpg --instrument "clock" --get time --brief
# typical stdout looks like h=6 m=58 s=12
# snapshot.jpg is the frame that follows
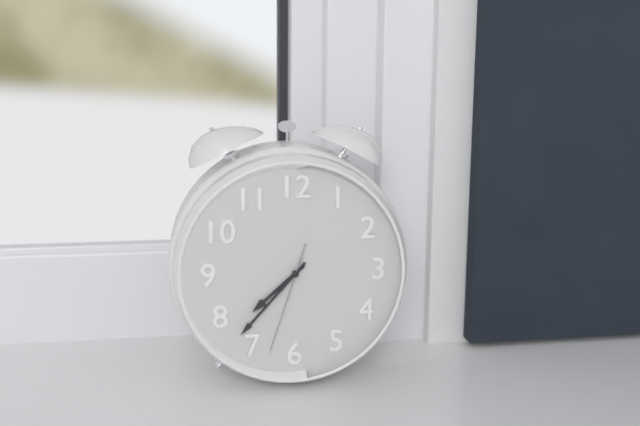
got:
h=7 m=37 s=33
